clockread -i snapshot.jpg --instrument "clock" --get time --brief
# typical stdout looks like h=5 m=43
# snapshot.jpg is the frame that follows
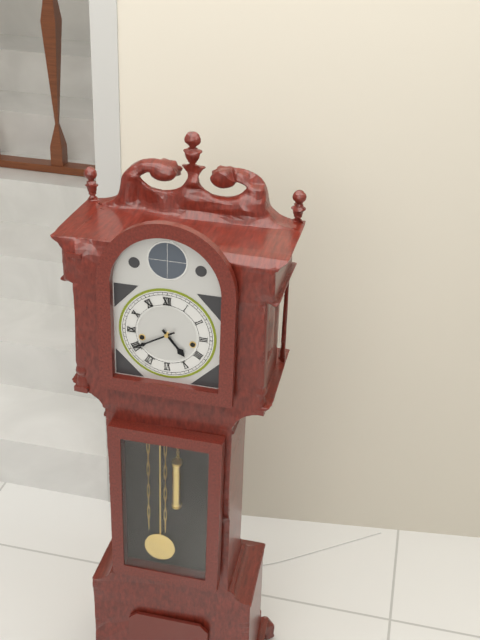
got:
h=4 m=40
